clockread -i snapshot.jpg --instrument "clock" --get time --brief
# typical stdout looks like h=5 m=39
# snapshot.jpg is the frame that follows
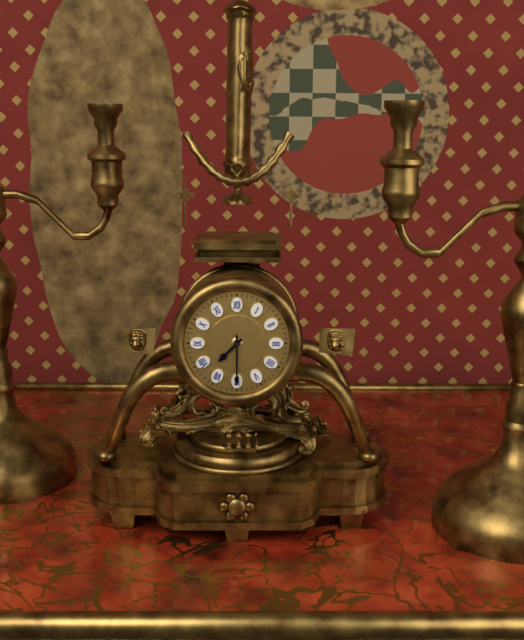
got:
h=7 m=30
